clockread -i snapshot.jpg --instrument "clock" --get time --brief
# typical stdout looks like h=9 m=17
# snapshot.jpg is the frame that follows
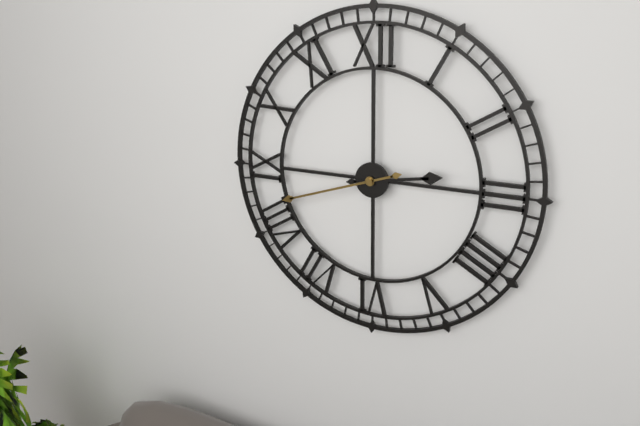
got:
h=2 m=42
